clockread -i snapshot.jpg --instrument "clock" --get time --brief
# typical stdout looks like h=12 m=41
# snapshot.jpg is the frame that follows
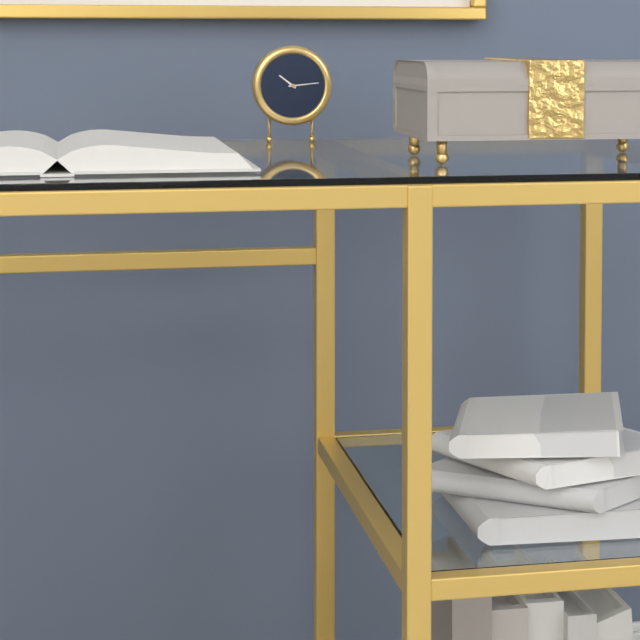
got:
h=10 m=14
